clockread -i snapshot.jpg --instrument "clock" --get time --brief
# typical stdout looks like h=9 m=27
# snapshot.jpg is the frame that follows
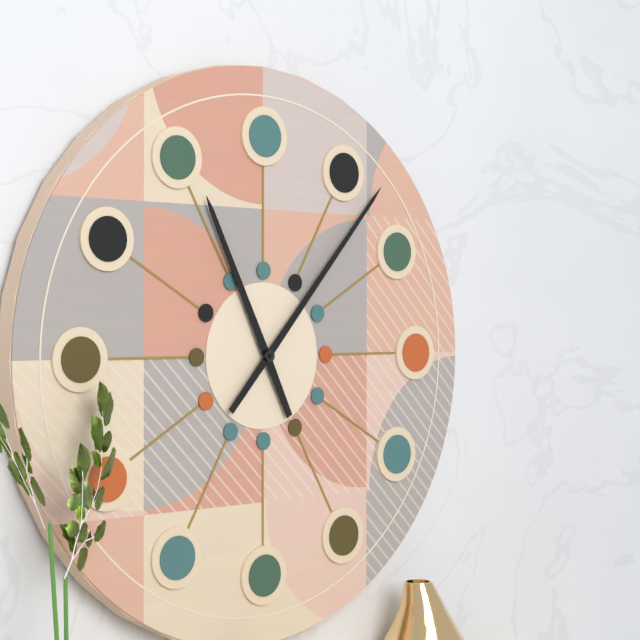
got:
h=11 m=7
